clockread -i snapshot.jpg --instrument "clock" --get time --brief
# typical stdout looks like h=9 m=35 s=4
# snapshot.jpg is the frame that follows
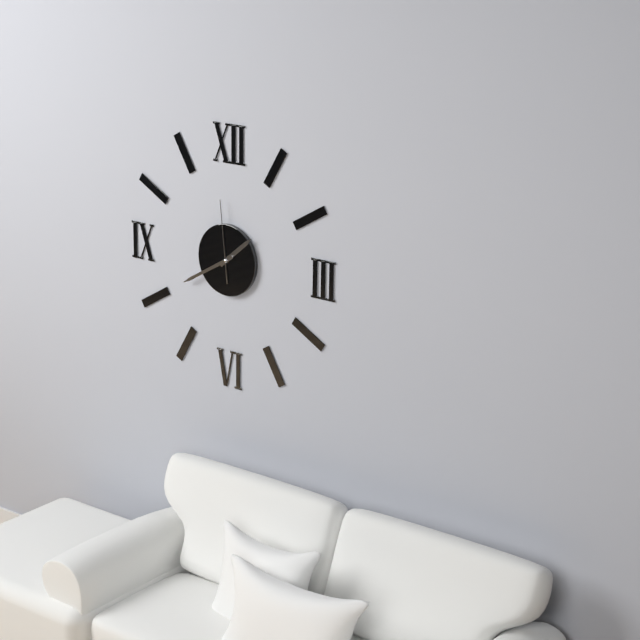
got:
h=1 m=40 s=59
